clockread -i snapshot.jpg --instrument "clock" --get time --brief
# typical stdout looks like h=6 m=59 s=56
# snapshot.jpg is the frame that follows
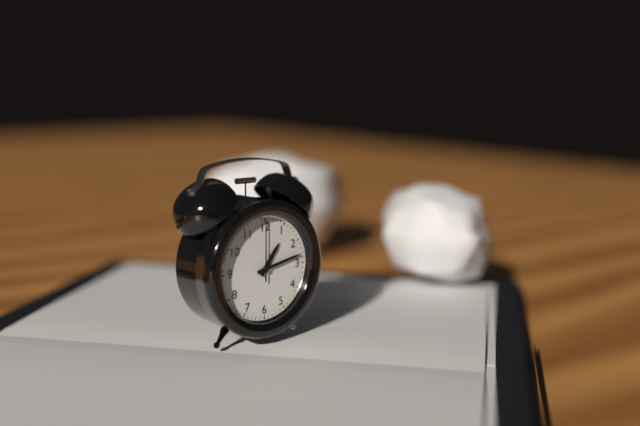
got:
h=1 m=13 s=0
